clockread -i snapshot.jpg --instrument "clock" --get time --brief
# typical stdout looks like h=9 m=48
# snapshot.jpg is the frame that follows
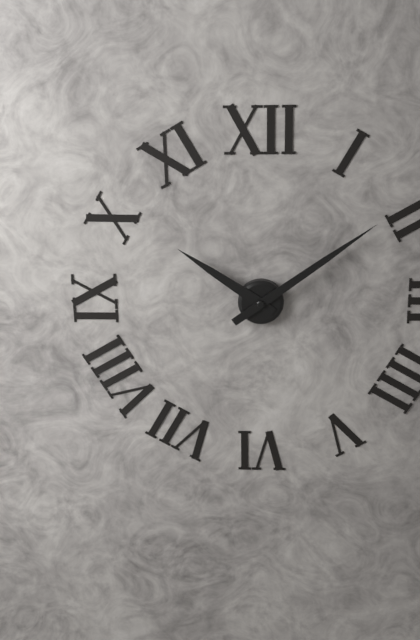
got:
h=10 m=9
